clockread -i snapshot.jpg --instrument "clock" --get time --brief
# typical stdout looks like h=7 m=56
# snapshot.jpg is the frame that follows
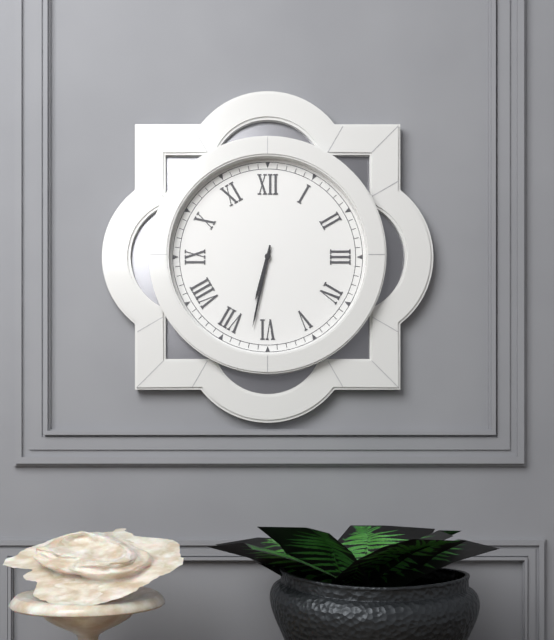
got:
h=6 m=32
